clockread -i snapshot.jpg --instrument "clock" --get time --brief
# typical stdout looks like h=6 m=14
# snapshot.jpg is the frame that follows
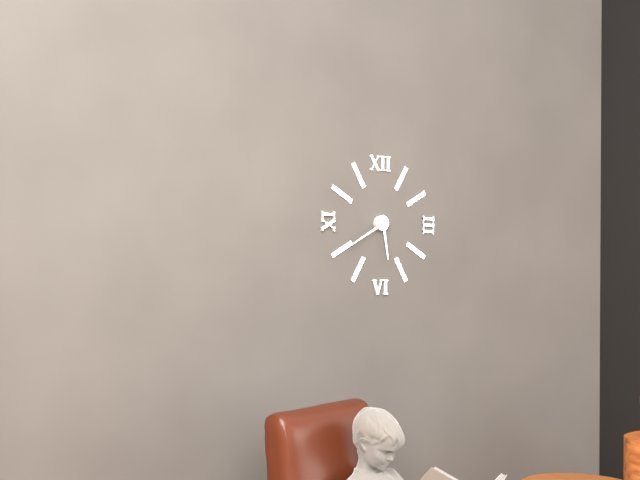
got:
h=5 m=40
